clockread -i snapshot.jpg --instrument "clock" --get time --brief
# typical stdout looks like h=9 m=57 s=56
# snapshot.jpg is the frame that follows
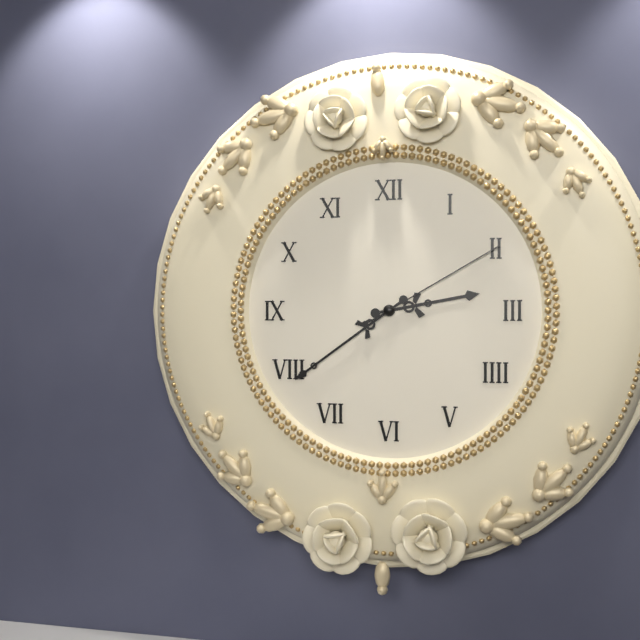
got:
h=2 m=39 s=10
